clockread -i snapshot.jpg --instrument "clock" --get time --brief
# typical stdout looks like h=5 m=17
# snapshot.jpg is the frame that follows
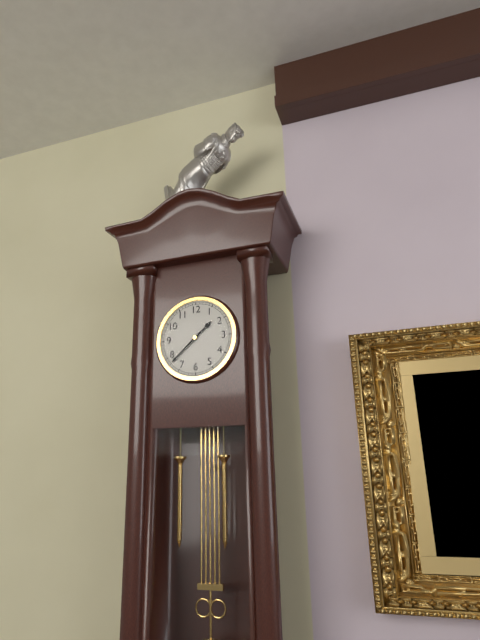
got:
h=1 m=38
